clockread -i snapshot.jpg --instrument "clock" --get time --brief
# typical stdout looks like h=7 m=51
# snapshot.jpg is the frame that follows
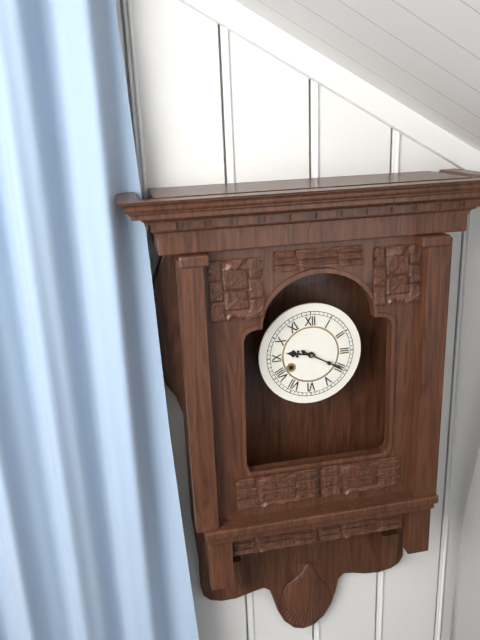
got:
h=9 m=20
